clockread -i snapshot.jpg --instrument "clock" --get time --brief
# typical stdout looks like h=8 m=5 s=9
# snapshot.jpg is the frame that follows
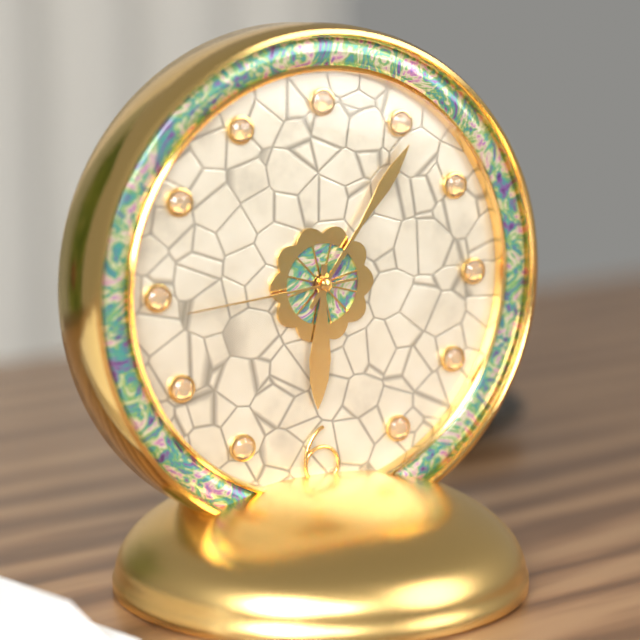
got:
h=6 m=6 s=44
